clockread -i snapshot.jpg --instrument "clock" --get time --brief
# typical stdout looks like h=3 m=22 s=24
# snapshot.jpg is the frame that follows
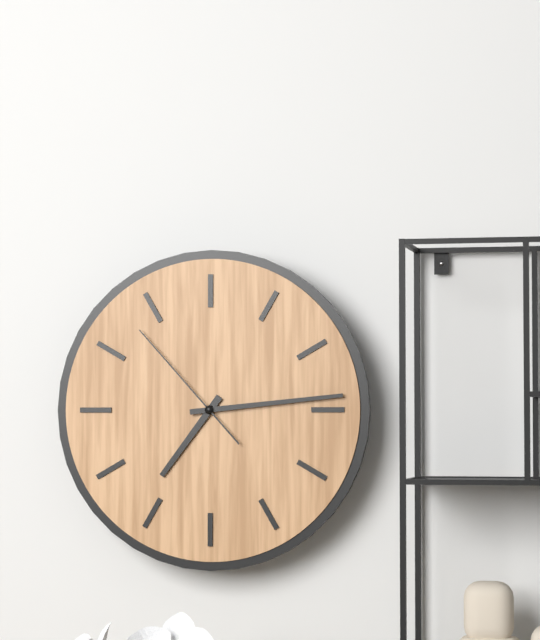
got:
h=7 m=14 s=53
